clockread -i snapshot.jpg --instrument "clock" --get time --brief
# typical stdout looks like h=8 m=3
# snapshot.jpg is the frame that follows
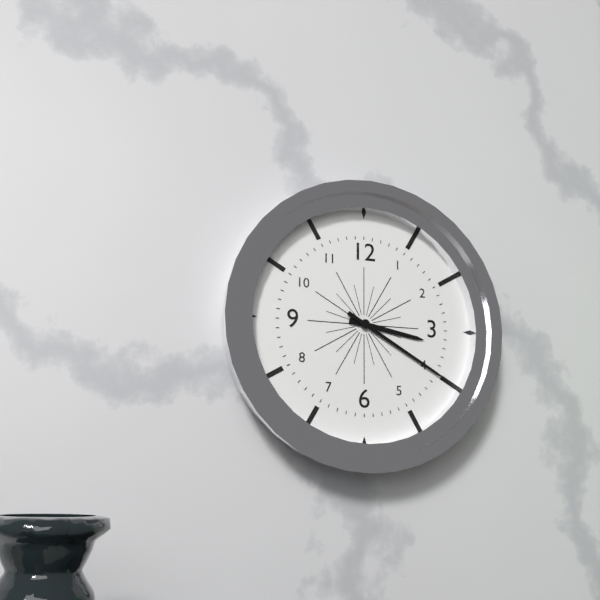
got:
h=3 m=20
